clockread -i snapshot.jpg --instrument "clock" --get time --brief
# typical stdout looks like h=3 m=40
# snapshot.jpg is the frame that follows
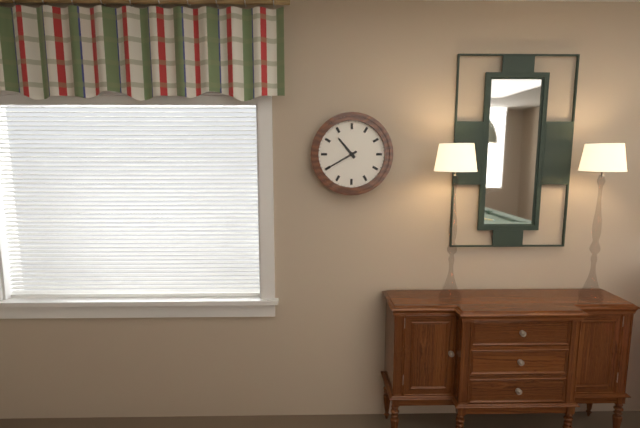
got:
h=10 m=40
